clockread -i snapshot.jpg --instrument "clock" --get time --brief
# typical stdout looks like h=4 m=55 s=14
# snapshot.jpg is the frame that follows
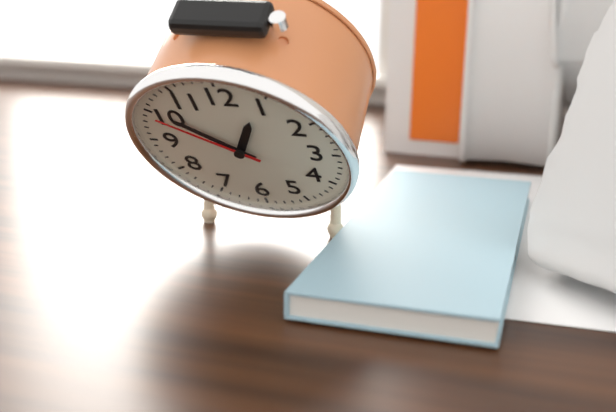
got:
h=12 m=51 s=50
